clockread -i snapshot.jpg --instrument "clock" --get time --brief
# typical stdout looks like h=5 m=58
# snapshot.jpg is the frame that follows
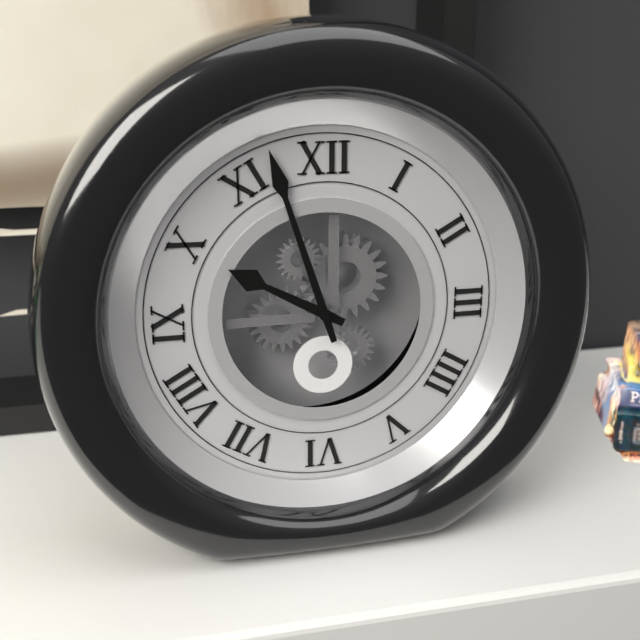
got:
h=9 m=57
